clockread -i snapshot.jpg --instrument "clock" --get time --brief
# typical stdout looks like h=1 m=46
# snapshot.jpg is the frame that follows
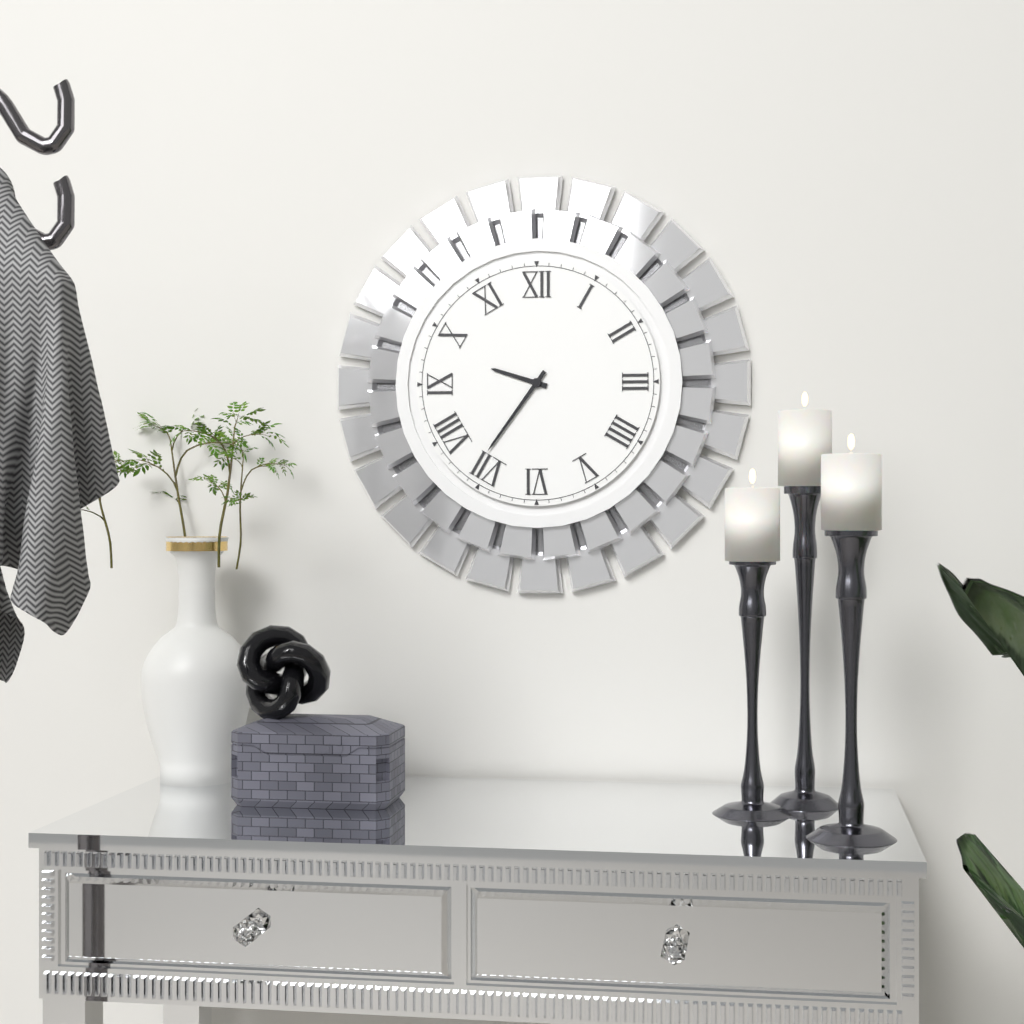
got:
h=9 m=36
